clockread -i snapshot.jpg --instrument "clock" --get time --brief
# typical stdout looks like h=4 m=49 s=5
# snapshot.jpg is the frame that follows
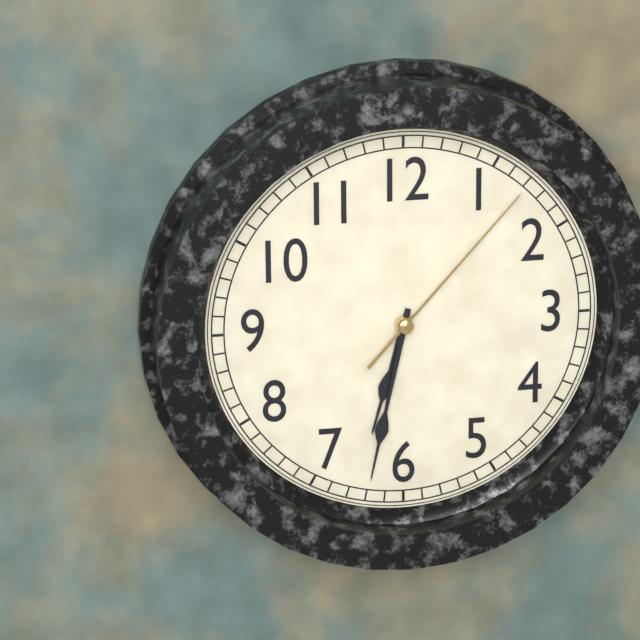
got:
h=6 m=32 s=7
